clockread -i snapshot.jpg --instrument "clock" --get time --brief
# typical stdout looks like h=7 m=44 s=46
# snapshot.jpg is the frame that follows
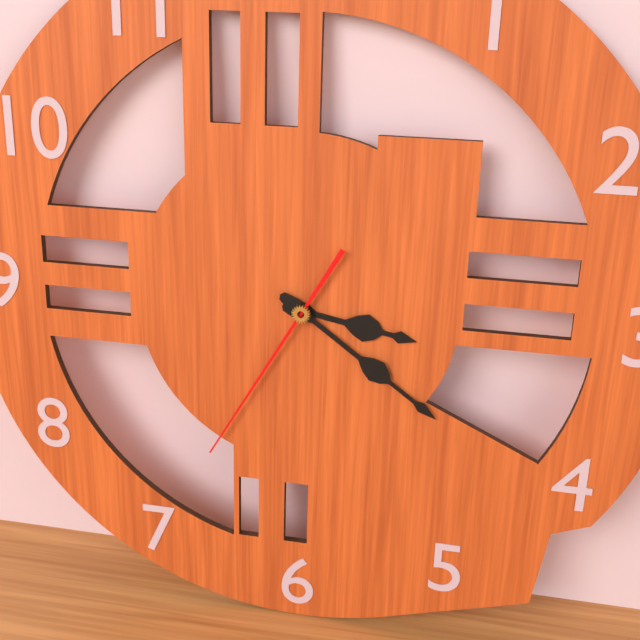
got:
h=3 m=21 s=35
